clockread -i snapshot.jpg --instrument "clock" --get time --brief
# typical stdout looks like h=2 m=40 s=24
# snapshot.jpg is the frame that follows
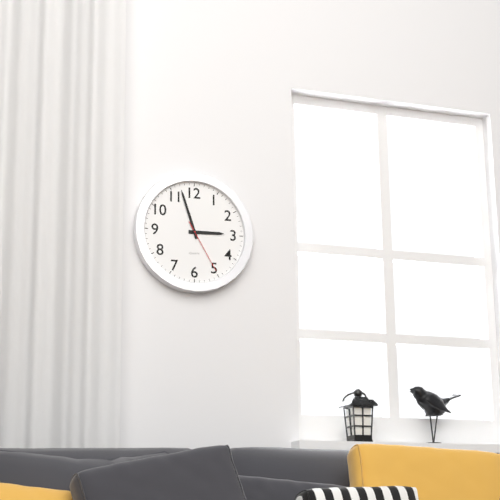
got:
h=2 m=57 s=25
